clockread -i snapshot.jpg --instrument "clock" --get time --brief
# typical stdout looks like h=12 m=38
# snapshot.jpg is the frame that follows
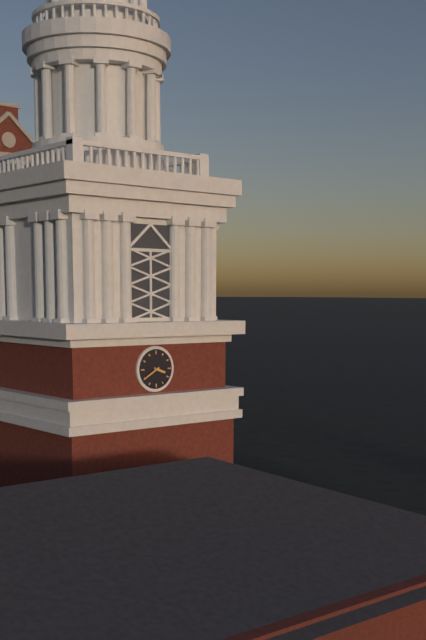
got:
h=3 m=40
